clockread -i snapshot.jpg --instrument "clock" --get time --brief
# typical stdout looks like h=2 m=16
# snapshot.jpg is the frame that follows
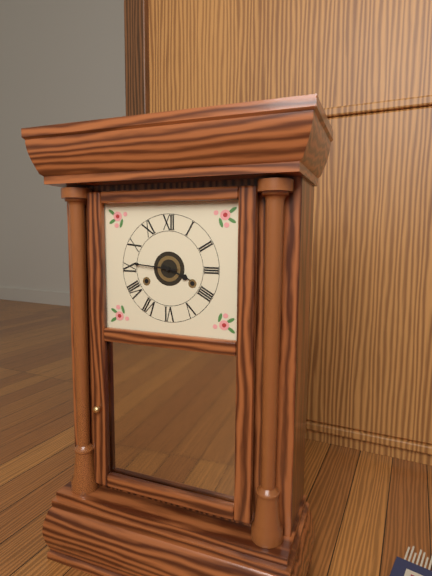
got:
h=3 m=46
